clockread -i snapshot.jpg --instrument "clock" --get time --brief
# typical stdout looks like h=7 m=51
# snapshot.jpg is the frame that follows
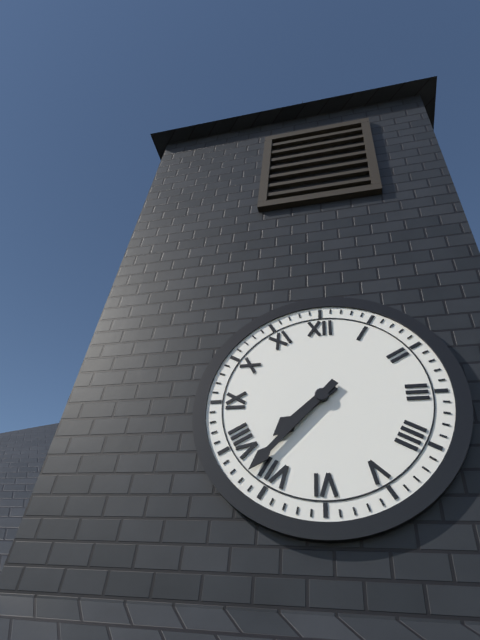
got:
h=7 m=37
